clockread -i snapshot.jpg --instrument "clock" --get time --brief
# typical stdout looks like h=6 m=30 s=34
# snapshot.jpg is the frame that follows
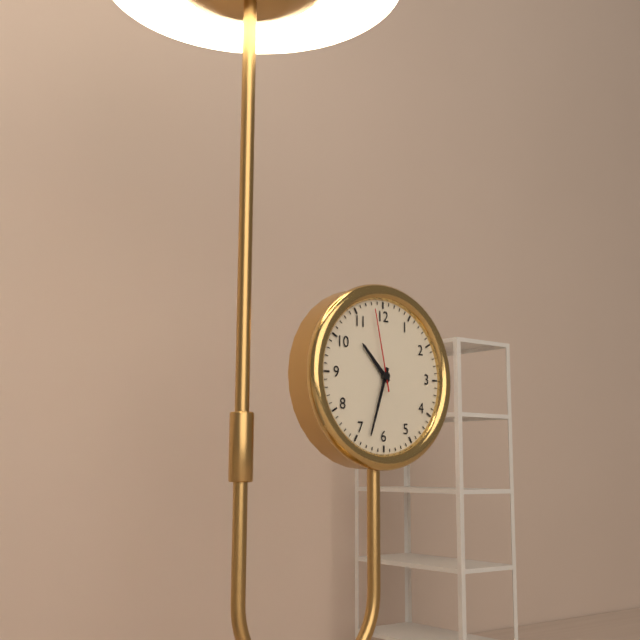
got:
h=10 m=33 s=58
